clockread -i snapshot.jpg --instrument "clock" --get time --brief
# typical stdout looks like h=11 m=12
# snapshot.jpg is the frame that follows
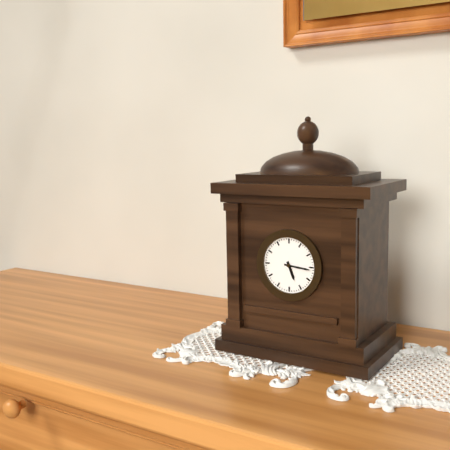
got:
h=5 m=16
